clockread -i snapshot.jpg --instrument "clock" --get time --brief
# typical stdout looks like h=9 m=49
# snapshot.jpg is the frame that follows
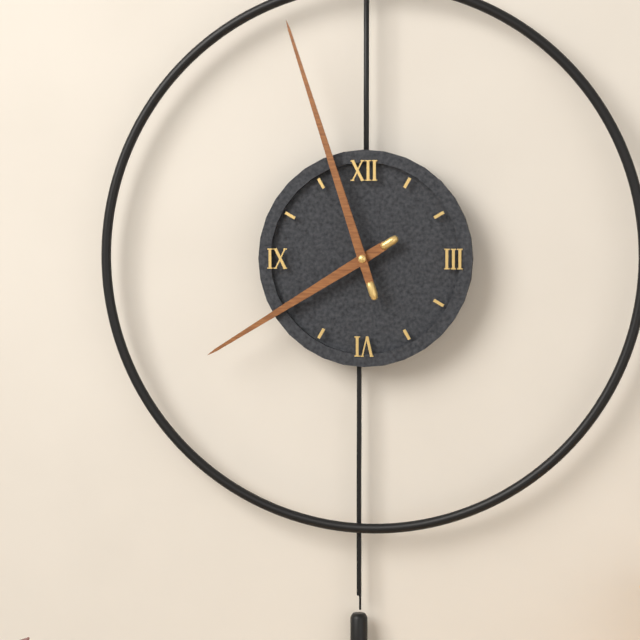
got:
h=7 m=57
